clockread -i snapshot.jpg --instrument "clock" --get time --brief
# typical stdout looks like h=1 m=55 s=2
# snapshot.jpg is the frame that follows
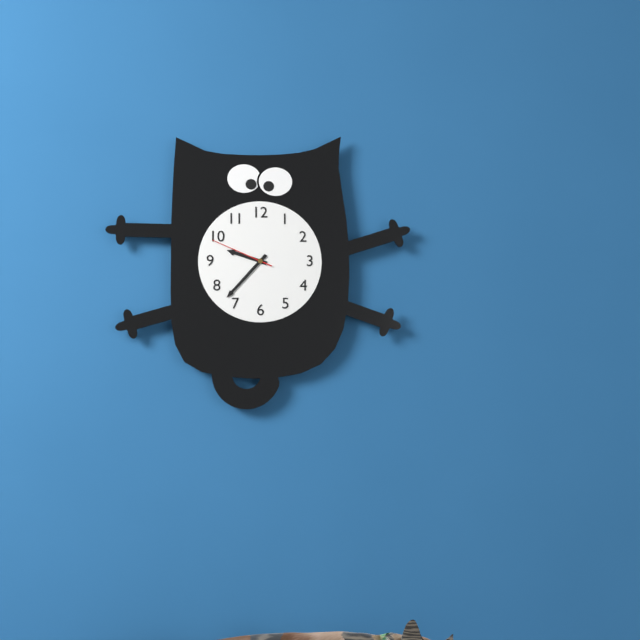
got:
h=9 m=37 s=49
